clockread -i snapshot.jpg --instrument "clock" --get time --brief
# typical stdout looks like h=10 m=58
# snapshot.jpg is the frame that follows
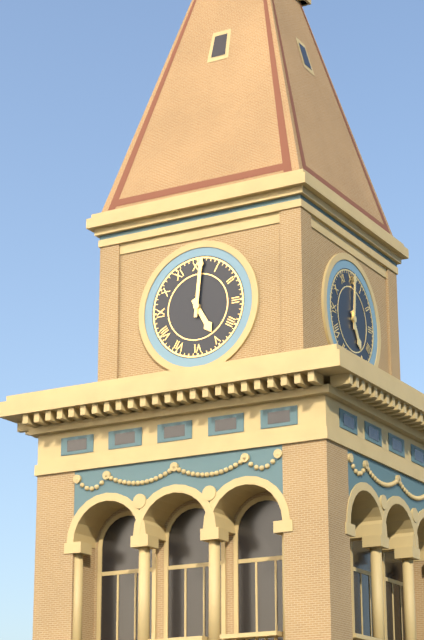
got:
h=5 m=1
